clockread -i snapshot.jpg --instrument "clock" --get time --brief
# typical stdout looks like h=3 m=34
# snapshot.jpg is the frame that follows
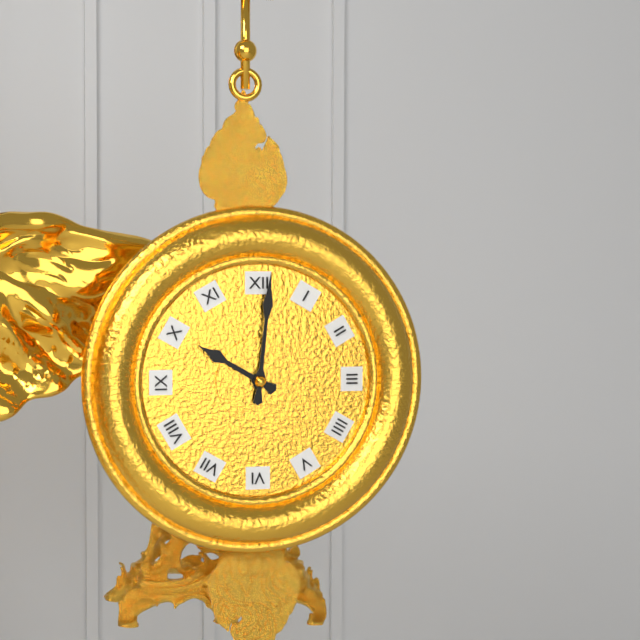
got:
h=10 m=1
